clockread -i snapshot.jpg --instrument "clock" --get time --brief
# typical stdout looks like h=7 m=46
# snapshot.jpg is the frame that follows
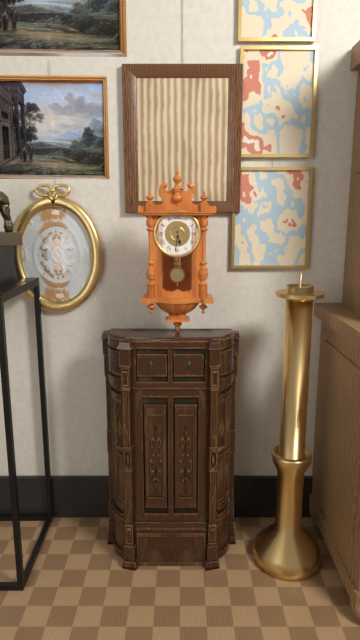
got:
h=5 m=31
